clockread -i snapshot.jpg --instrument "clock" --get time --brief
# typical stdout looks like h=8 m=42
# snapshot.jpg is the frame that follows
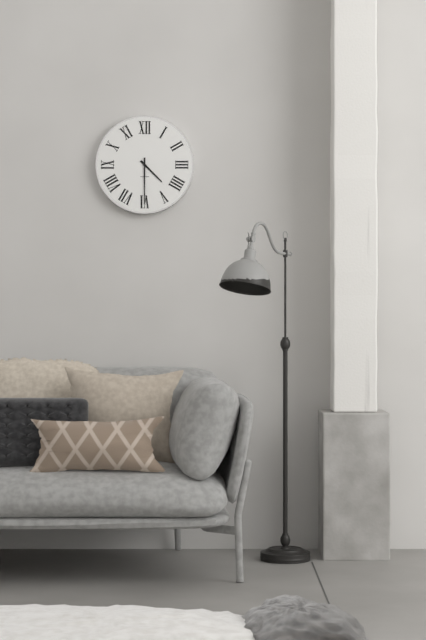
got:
h=4 m=30
